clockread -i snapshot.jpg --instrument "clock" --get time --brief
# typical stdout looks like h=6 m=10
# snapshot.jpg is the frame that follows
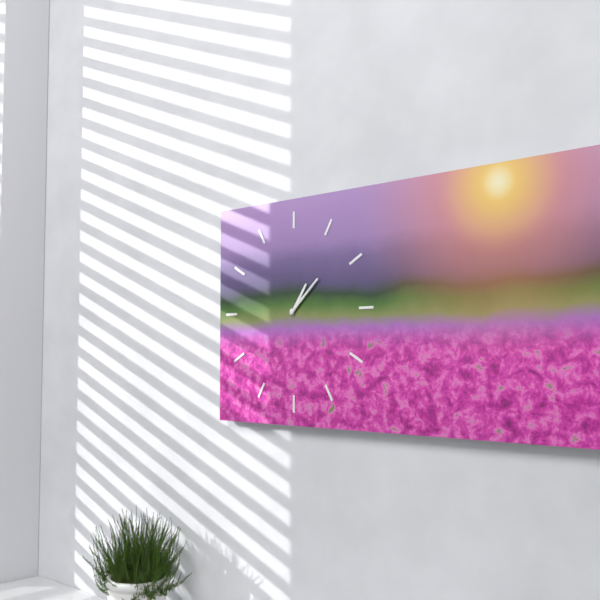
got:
h=1 m=8
